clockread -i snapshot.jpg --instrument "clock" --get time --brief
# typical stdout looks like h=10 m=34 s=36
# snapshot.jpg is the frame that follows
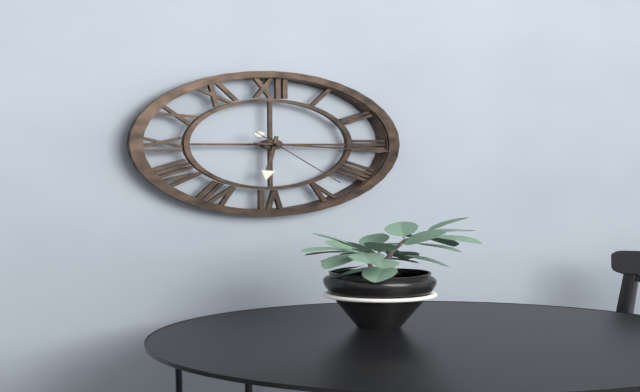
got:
h=6 m=16 s=23
